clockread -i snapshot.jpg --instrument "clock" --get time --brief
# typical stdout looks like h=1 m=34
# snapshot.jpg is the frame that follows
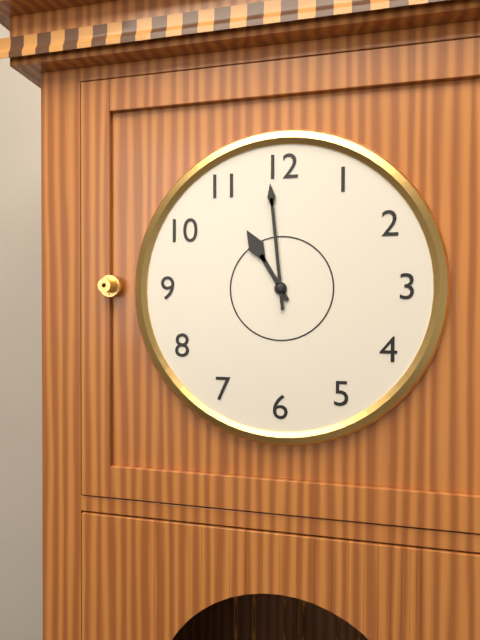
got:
h=10 m=59
